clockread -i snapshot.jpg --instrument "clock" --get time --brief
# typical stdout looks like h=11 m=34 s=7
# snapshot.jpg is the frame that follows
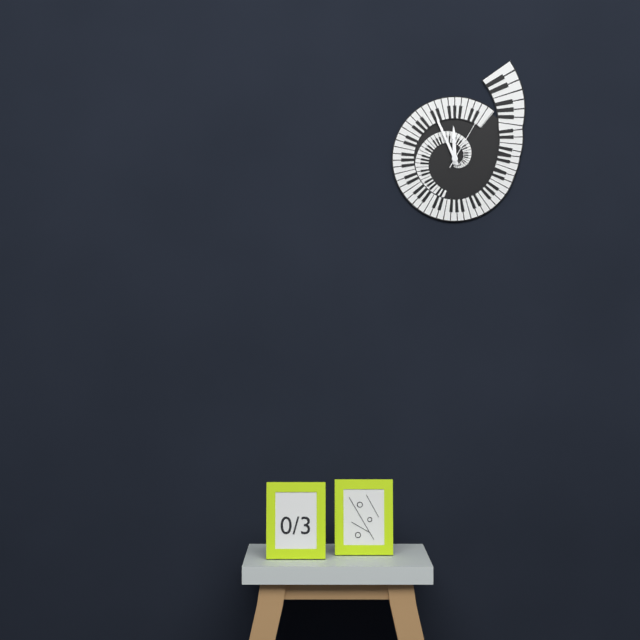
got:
h=11 m=56 s=5
